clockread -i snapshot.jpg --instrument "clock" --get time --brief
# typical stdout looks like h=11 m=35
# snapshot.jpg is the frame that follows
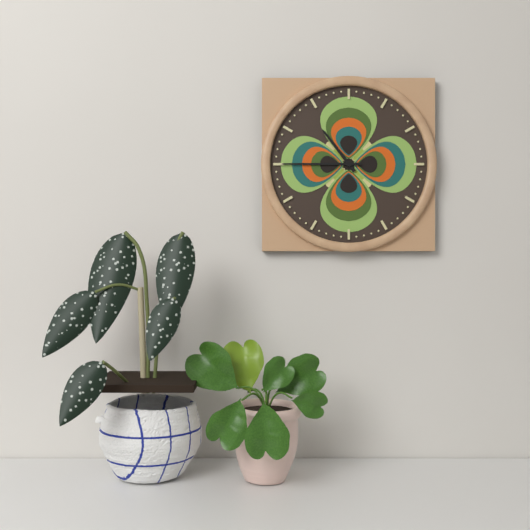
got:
h=10 m=45
